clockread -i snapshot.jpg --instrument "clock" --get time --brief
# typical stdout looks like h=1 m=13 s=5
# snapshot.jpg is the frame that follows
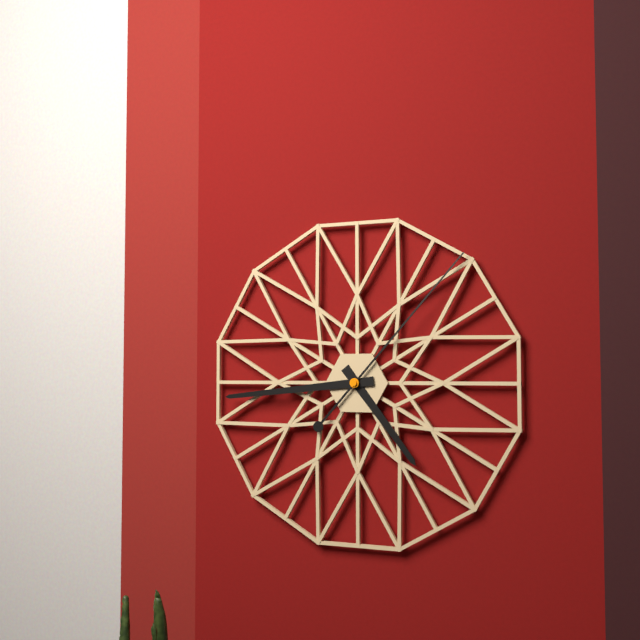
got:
h=4 m=44 s=7
